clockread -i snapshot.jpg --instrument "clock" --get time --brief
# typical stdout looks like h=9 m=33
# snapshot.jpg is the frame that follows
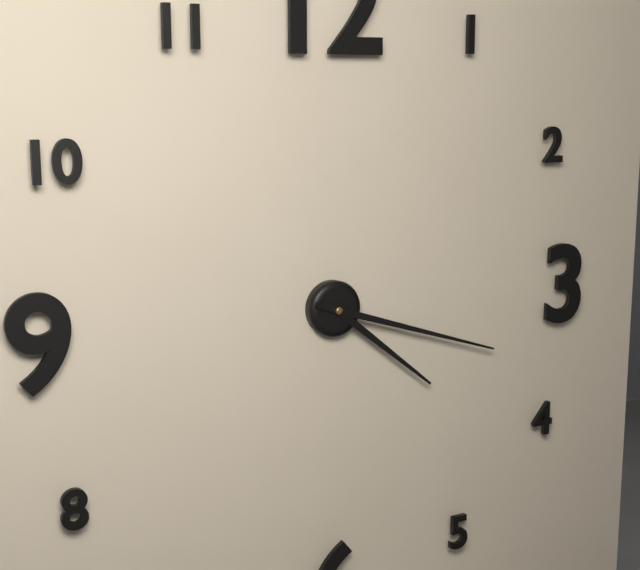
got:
h=4 m=18
